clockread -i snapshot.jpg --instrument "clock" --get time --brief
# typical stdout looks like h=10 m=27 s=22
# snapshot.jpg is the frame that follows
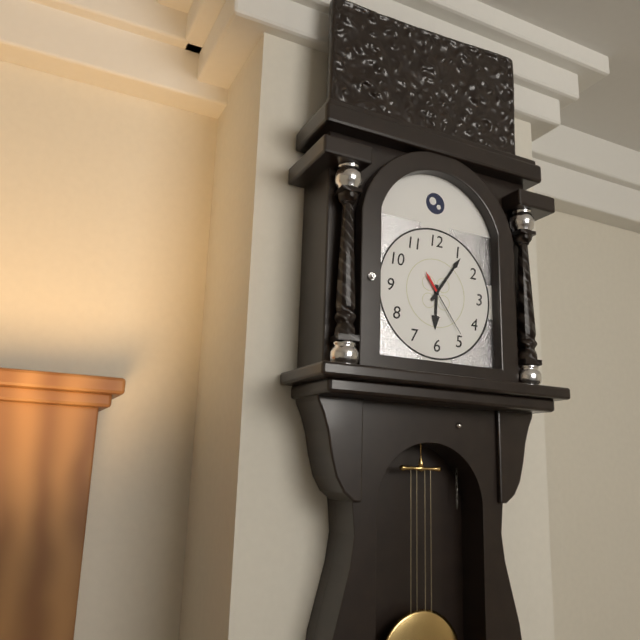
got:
h=6 m=6 s=24
